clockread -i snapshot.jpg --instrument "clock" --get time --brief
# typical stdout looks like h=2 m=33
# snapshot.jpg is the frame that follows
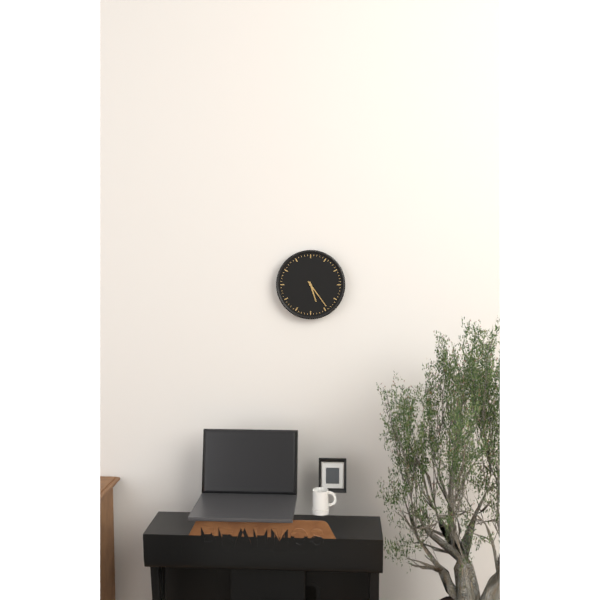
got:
h=5 m=24
